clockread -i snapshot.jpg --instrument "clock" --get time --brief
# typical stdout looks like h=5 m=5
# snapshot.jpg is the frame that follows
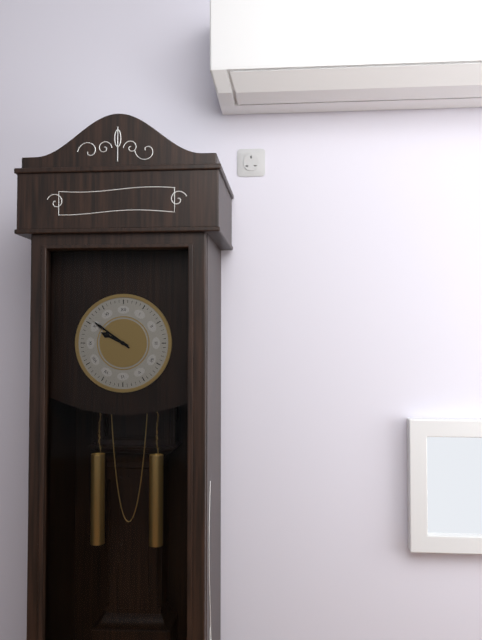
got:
h=9 m=51
